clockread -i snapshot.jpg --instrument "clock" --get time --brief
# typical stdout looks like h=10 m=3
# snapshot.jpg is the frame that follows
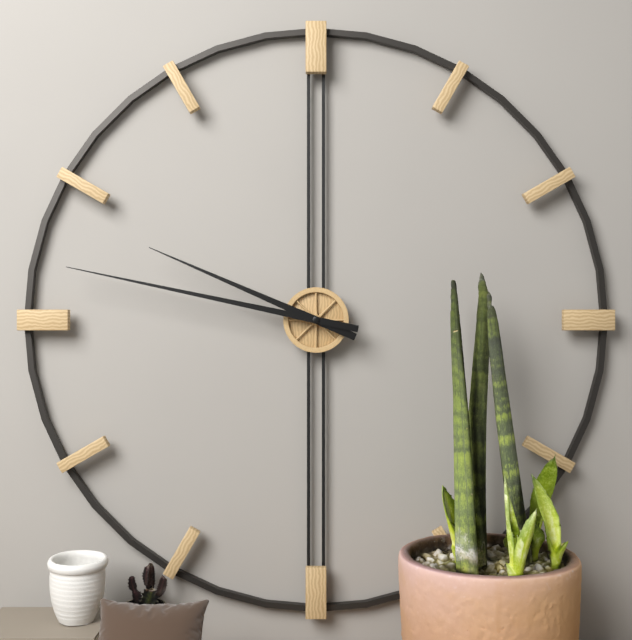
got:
h=9 m=47
